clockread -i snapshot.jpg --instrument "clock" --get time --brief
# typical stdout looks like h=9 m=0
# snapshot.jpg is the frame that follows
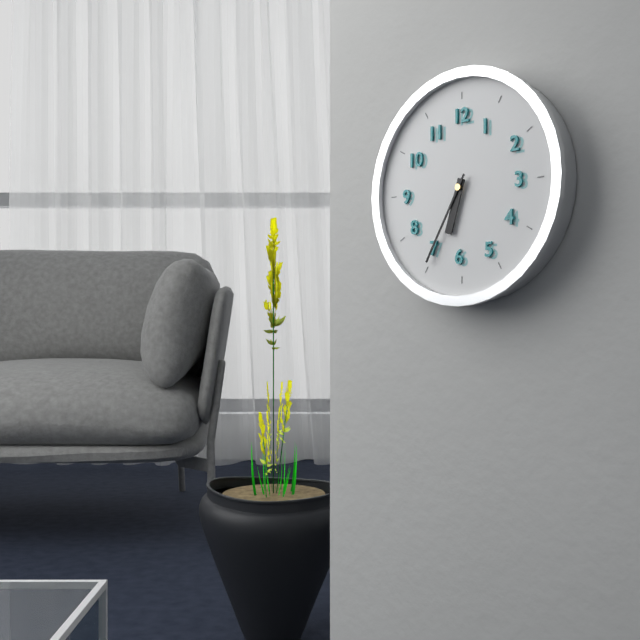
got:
h=6 m=35
